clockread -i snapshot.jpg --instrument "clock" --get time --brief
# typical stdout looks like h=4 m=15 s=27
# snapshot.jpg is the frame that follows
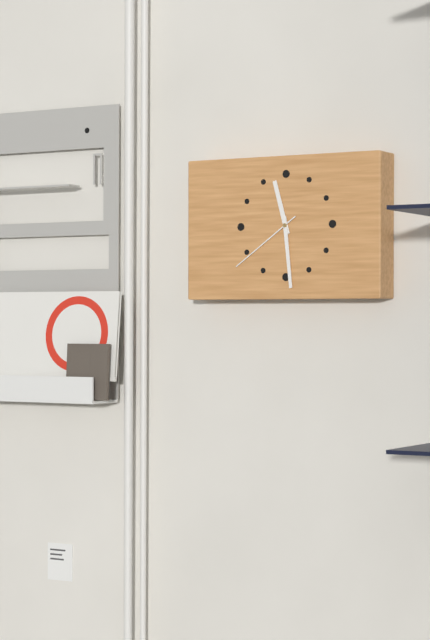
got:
h=11 m=29 s=39
